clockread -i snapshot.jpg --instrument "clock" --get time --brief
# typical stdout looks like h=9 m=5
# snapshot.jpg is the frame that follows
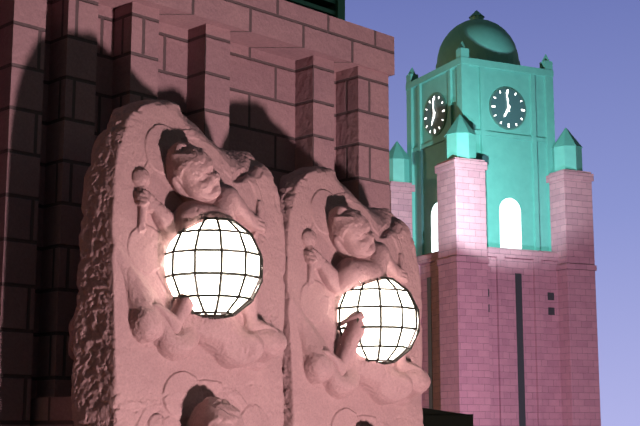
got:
h=6 m=59
